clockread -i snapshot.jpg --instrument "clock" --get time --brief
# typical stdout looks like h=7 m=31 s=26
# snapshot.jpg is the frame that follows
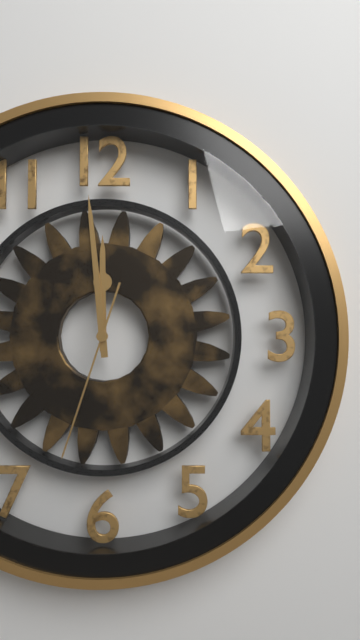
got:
h=11 m=59 s=33
